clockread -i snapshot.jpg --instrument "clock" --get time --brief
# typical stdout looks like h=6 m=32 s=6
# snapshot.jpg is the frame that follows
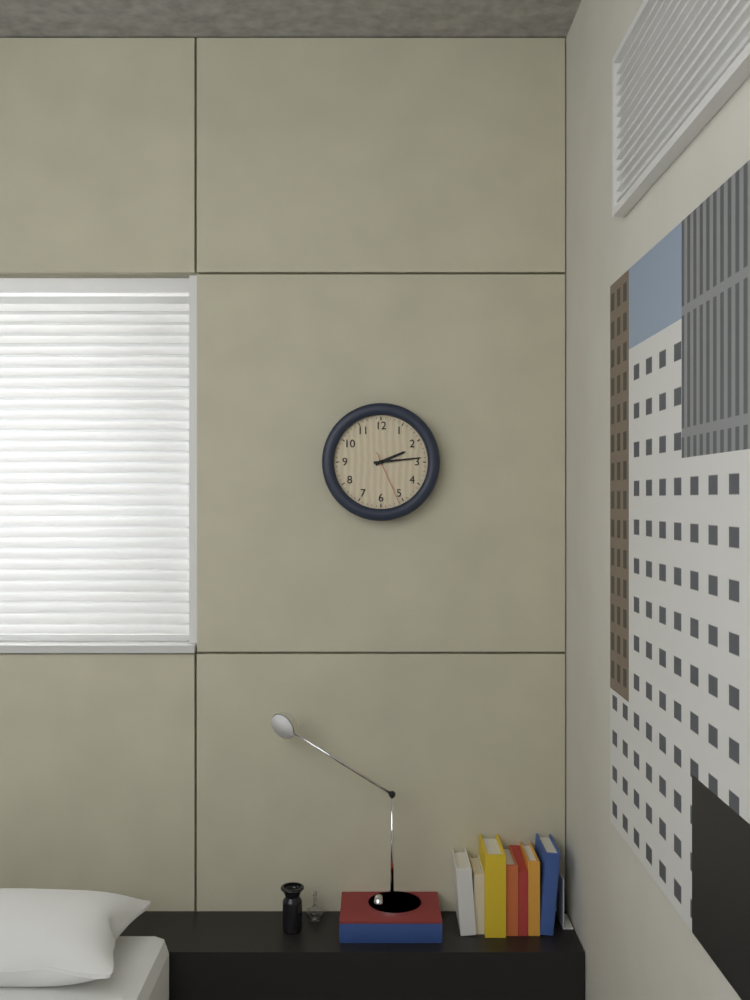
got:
h=2 m=14 s=26
